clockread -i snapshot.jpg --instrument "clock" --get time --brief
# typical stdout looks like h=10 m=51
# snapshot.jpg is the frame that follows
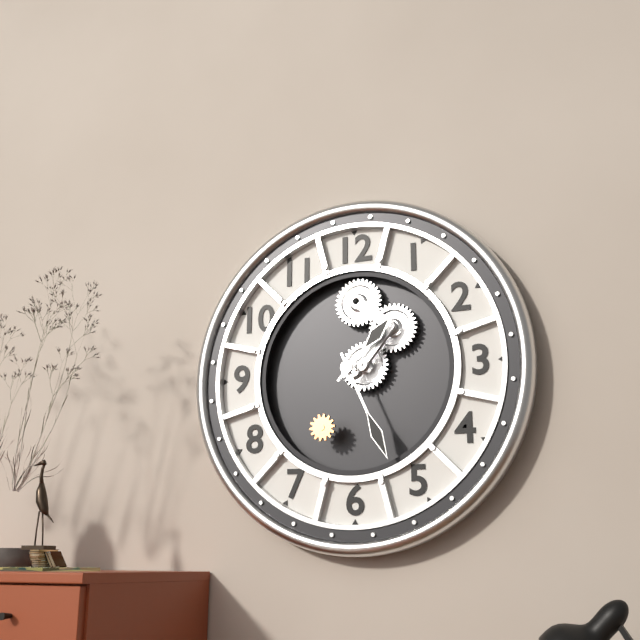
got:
h=1 m=26
